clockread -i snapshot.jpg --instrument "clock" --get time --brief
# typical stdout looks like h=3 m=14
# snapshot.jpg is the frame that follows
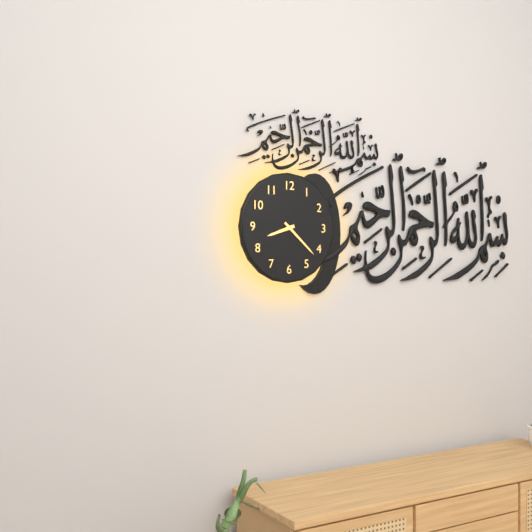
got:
h=8 m=22
